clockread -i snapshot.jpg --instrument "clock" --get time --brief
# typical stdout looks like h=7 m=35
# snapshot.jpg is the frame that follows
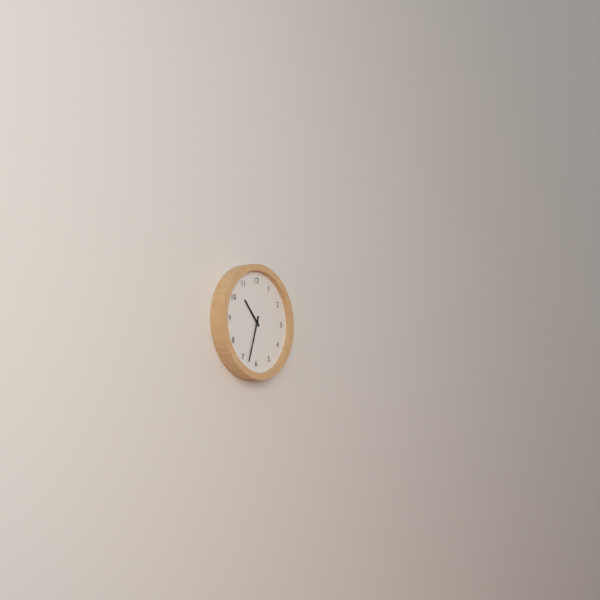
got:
h=10 m=33
